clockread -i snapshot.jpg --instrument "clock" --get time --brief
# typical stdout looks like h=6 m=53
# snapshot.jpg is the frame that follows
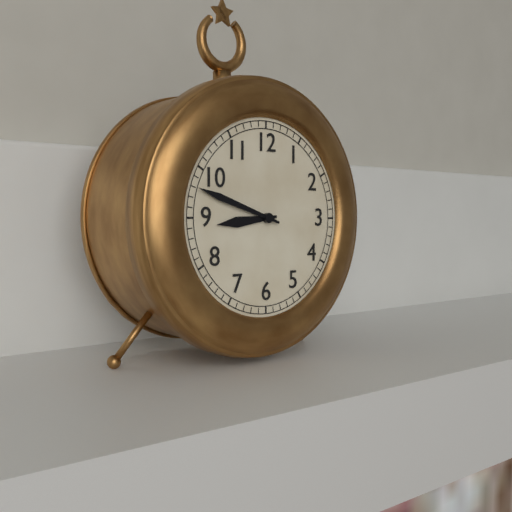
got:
h=8 m=48
